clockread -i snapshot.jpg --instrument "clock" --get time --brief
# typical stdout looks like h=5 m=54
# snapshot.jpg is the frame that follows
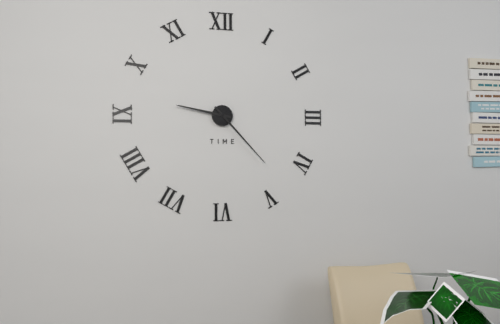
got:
h=9 m=23
